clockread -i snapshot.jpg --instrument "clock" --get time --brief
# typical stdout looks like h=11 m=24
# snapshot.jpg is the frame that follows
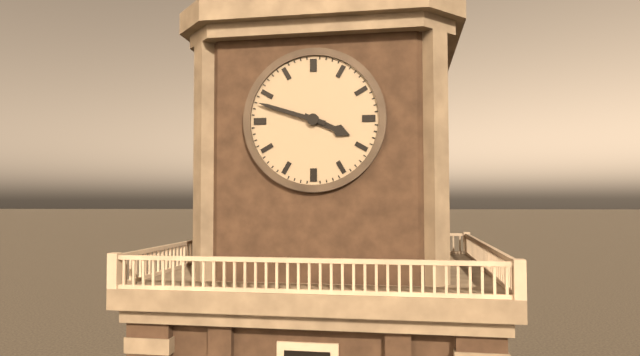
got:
h=3 m=48
